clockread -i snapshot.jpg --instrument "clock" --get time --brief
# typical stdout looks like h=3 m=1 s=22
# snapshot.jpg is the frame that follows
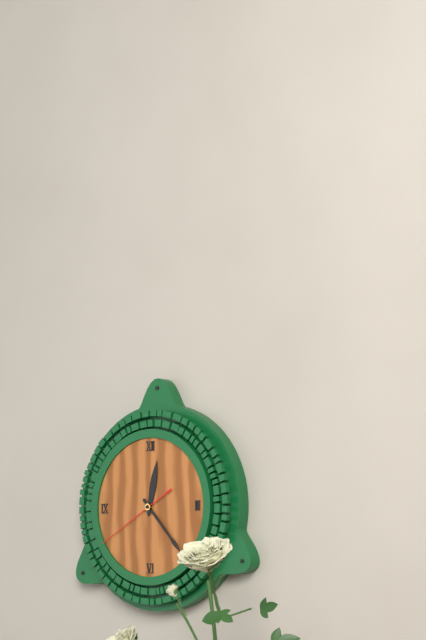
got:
h=12 m=23 s=40
